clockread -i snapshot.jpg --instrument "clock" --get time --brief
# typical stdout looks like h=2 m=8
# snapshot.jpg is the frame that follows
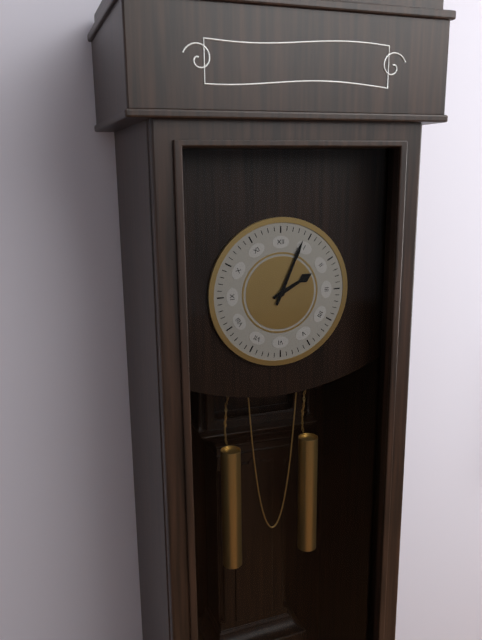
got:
h=2 m=4
